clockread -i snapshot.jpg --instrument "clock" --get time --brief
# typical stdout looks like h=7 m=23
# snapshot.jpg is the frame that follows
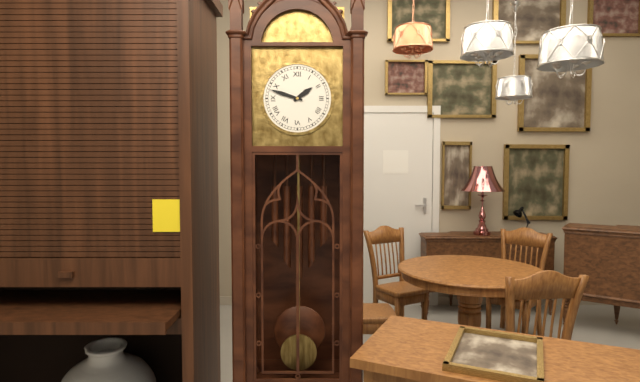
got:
h=1 m=48
